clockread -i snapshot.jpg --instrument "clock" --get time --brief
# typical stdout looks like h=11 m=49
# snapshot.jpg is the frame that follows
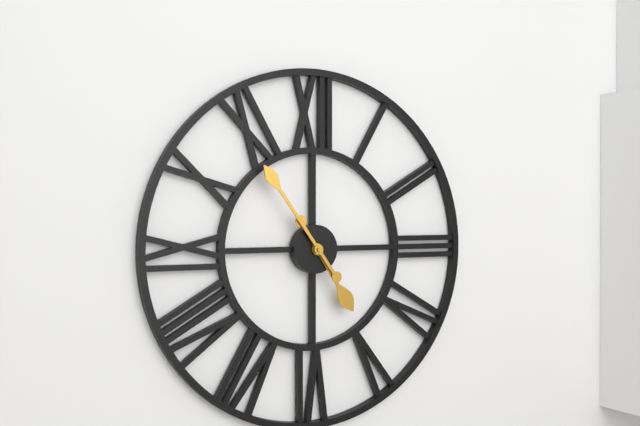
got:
h=4 m=54
